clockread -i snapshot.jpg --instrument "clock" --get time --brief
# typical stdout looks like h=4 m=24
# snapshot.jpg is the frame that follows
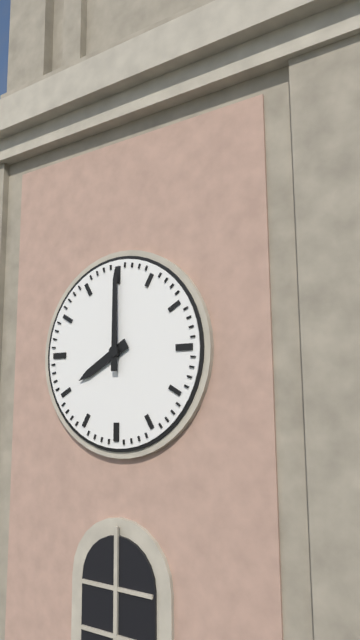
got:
h=8 m=0
